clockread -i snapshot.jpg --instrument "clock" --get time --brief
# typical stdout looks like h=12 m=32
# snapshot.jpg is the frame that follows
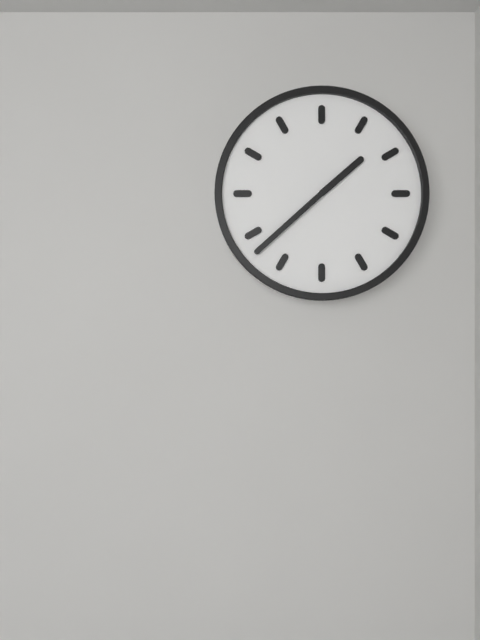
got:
h=1 m=38
